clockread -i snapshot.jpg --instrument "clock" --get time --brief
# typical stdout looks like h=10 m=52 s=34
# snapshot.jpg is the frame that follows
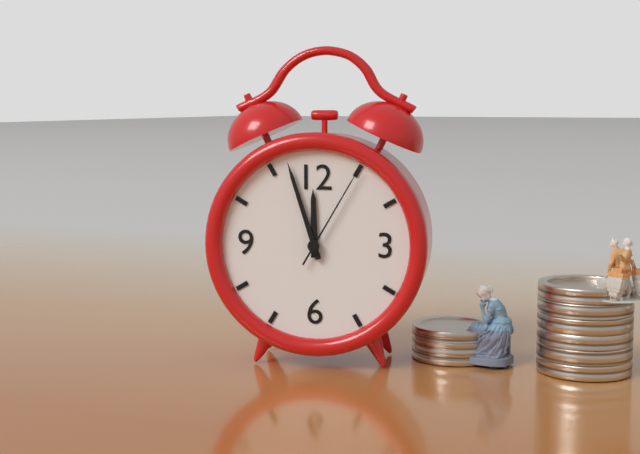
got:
h=11 m=57 s=5
